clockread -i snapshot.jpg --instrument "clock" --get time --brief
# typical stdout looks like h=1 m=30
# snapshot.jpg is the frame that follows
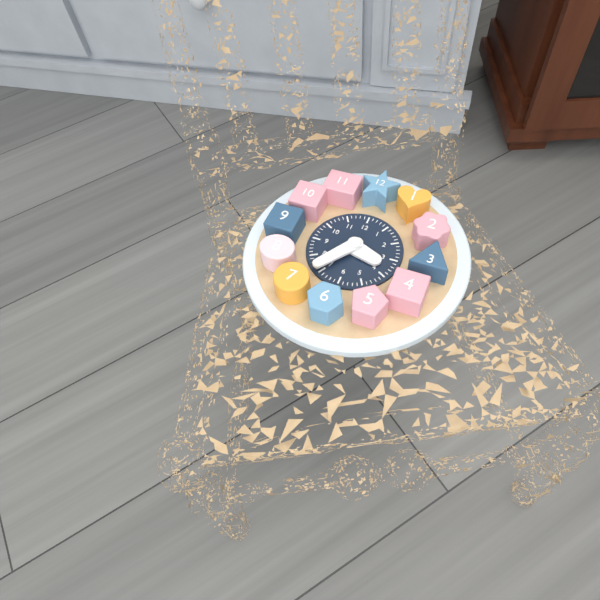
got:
h=3 m=36
